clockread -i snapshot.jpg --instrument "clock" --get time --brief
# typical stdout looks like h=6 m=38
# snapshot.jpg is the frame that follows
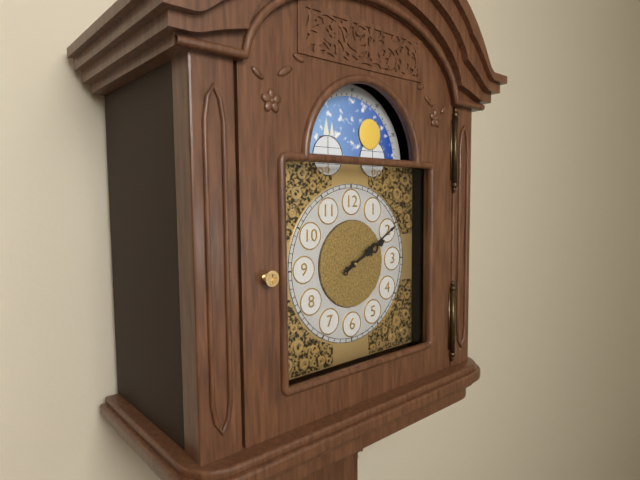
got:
h=2 m=10
